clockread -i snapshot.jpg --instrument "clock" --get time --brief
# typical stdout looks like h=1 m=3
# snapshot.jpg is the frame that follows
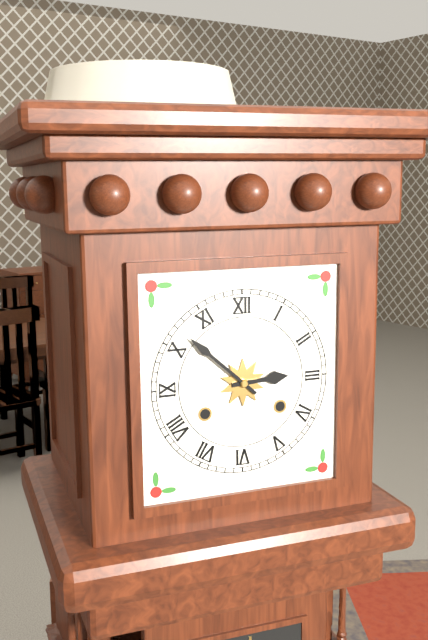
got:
h=2 m=52
